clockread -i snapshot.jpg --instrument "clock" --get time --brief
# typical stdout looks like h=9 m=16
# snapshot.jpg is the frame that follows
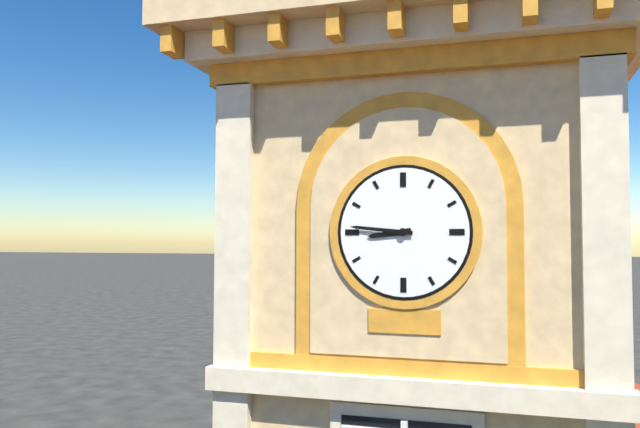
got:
h=8 m=46
